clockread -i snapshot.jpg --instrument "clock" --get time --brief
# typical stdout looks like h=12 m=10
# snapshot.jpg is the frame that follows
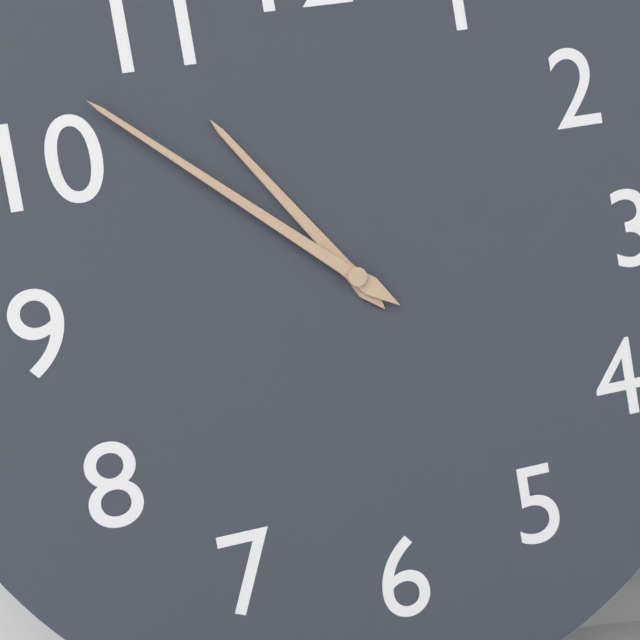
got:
h=10 m=52
